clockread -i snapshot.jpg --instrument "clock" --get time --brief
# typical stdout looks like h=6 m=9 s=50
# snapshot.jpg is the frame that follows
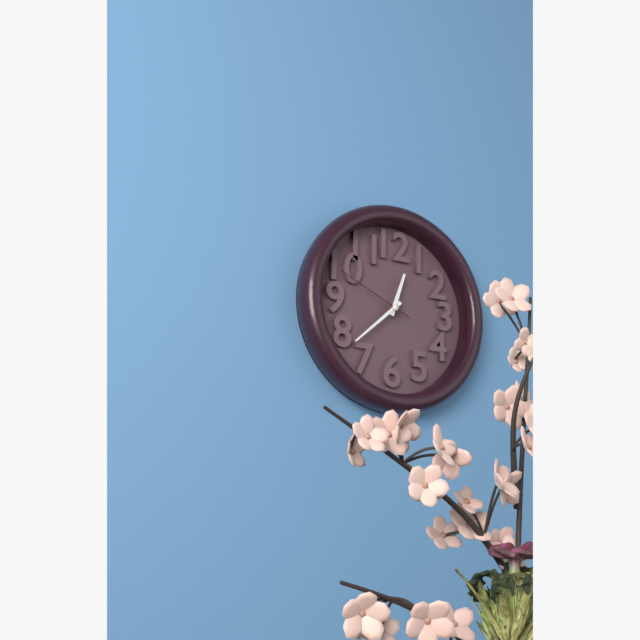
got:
h=12 m=38 s=49
